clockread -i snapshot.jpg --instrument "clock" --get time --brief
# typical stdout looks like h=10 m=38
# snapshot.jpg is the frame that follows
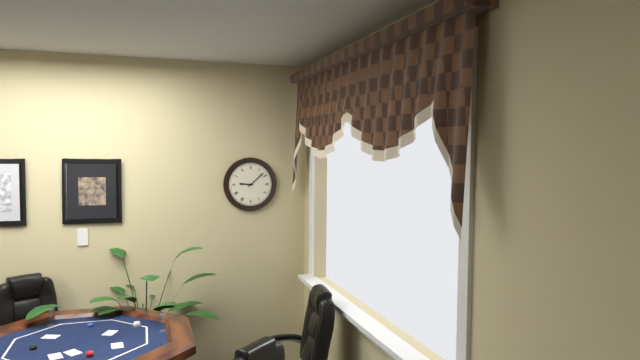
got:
h=9 m=8
